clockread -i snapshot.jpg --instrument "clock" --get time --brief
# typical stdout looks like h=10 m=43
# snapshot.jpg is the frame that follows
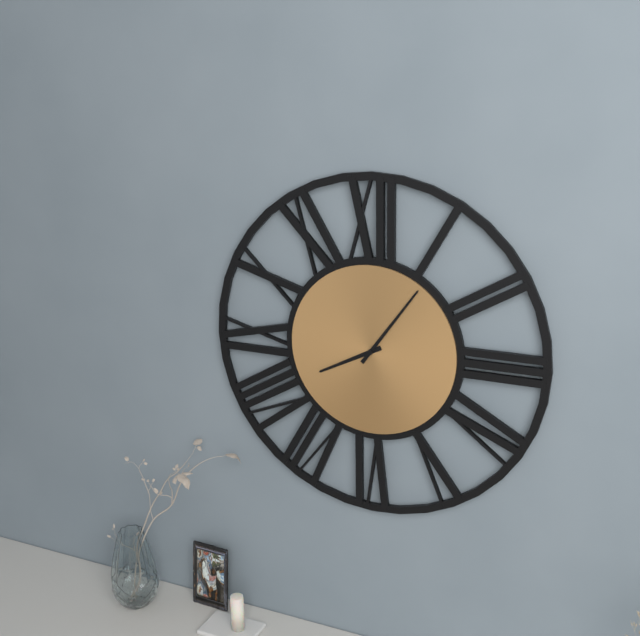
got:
h=8 m=6
